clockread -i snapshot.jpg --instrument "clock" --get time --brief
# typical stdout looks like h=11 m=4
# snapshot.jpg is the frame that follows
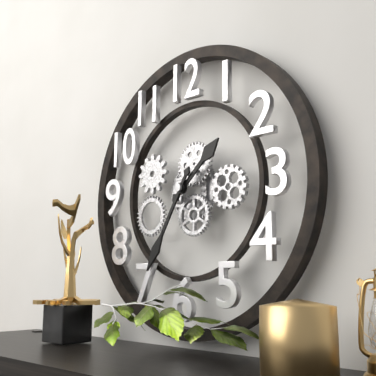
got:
h=1 m=35
